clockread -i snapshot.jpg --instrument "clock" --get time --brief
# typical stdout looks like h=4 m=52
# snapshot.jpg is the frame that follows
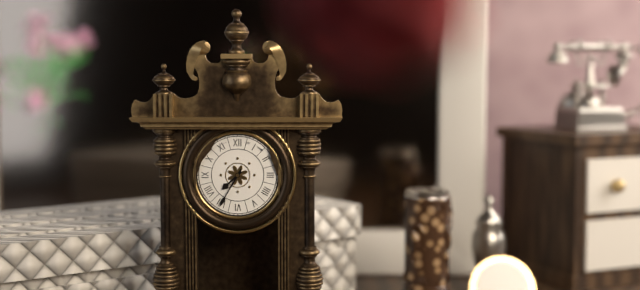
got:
h=7 m=35
